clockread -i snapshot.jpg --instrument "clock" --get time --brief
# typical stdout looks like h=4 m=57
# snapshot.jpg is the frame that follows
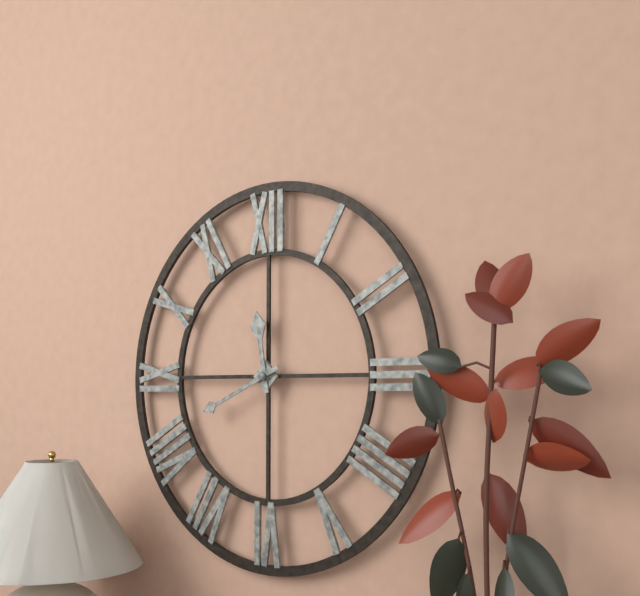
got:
h=11 m=41
